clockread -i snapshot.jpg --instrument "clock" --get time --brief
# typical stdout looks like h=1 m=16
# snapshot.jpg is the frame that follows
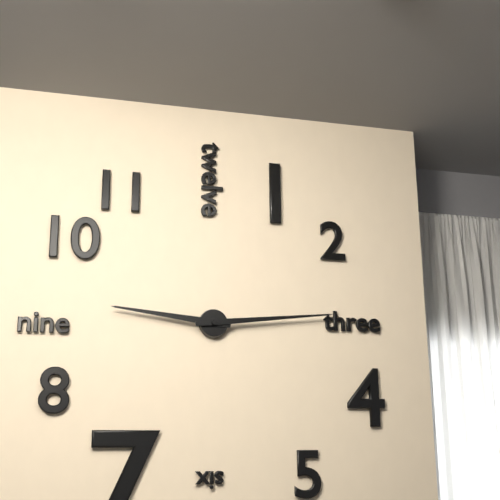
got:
h=9 m=14
